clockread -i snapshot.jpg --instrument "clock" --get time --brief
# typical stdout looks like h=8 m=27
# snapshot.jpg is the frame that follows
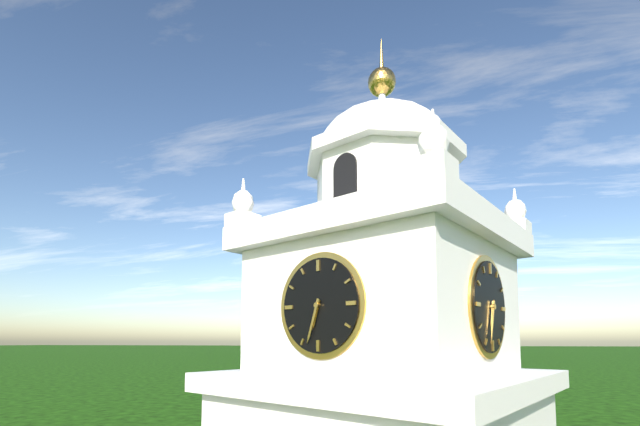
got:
h=6 m=33
